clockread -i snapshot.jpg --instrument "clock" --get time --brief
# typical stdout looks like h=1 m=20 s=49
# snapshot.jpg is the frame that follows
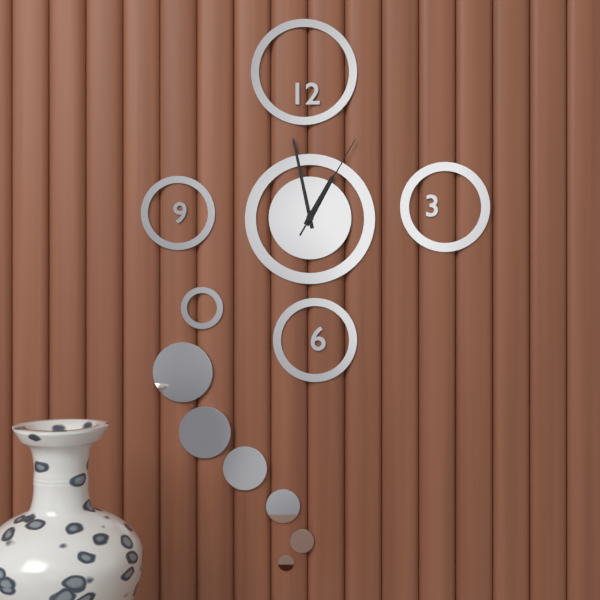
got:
h=12 m=58 s=5
